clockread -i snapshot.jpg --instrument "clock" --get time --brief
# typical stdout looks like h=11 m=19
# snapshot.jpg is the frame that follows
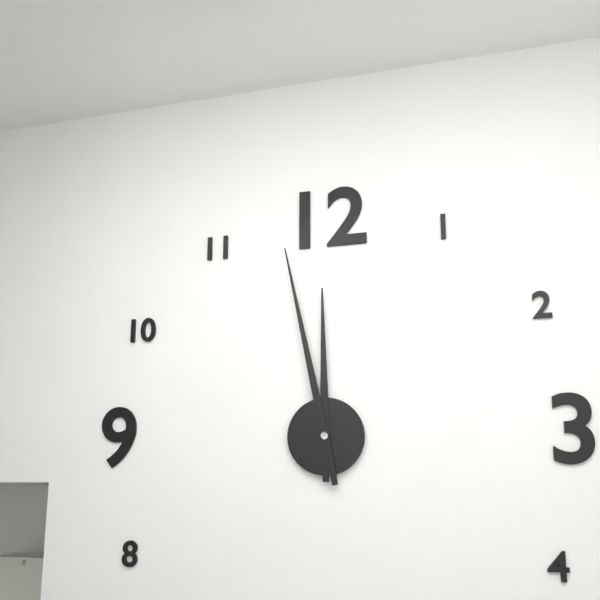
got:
h=11 m=58
